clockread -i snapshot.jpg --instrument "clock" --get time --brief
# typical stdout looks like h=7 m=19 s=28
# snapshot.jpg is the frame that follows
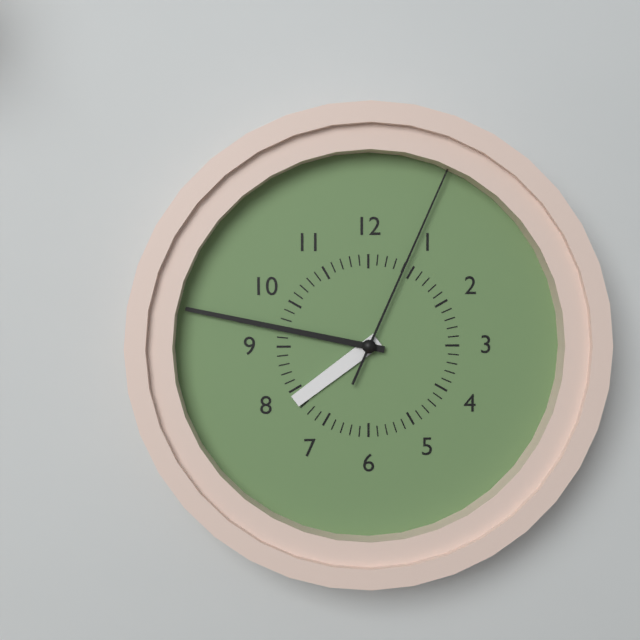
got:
h=7 m=47 s=4
